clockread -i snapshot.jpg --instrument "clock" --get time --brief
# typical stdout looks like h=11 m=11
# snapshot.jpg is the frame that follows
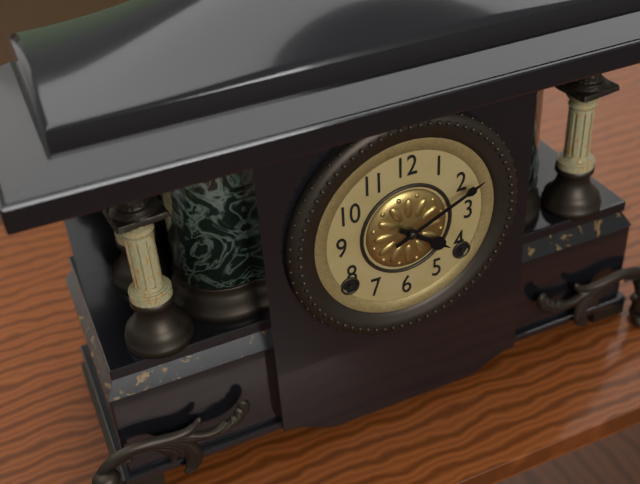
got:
h=4 m=11
